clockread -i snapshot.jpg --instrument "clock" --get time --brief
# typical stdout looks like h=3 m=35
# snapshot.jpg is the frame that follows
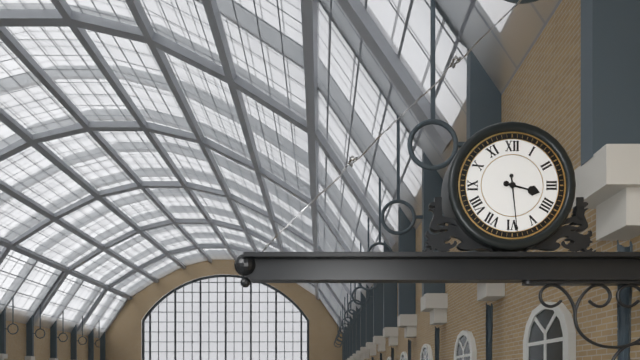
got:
h=3 m=29
